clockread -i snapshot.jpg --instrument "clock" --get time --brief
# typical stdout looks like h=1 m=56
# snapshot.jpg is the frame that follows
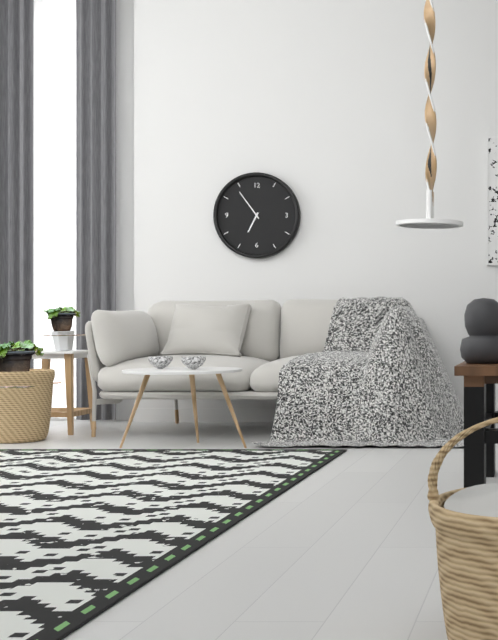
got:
h=6 m=54
